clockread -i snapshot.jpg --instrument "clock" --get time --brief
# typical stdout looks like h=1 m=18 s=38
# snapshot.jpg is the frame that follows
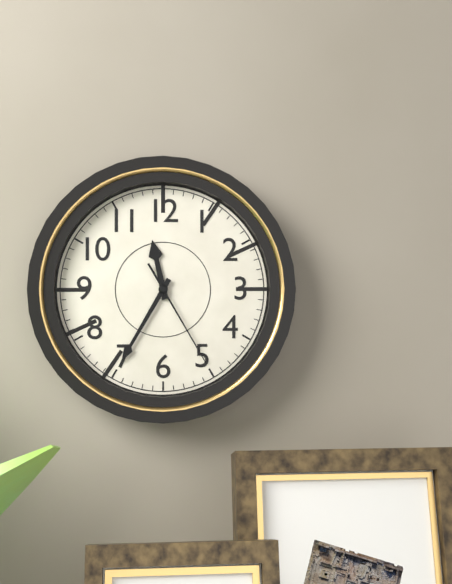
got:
h=11 m=35 s=25
